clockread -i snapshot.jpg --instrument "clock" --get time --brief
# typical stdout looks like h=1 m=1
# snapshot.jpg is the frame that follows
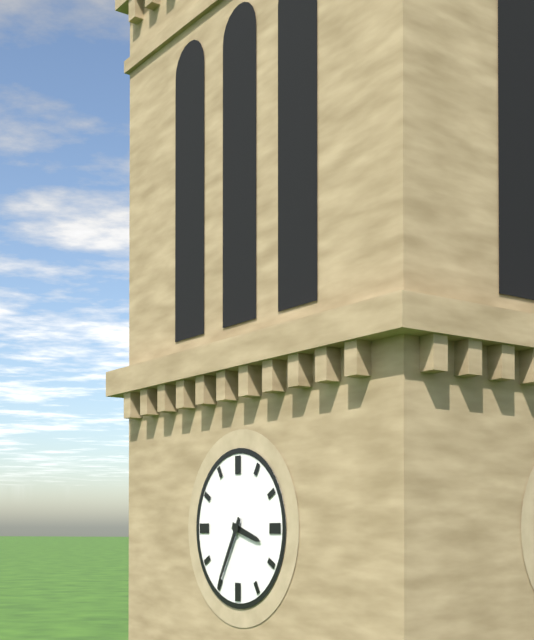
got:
h=3 m=35
